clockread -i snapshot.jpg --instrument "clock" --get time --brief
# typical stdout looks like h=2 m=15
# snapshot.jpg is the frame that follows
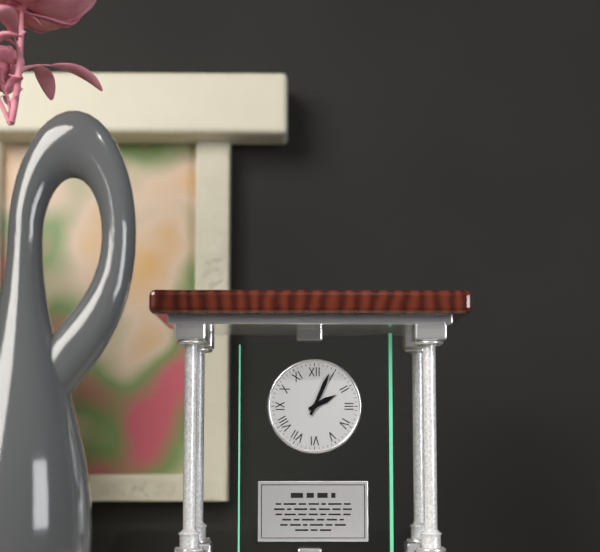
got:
h=2 m=4
